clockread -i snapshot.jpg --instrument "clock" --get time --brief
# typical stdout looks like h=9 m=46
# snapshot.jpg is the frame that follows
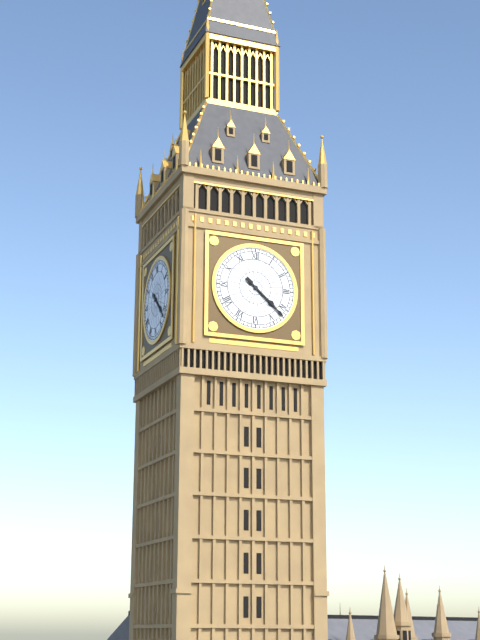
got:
h=4 m=22
